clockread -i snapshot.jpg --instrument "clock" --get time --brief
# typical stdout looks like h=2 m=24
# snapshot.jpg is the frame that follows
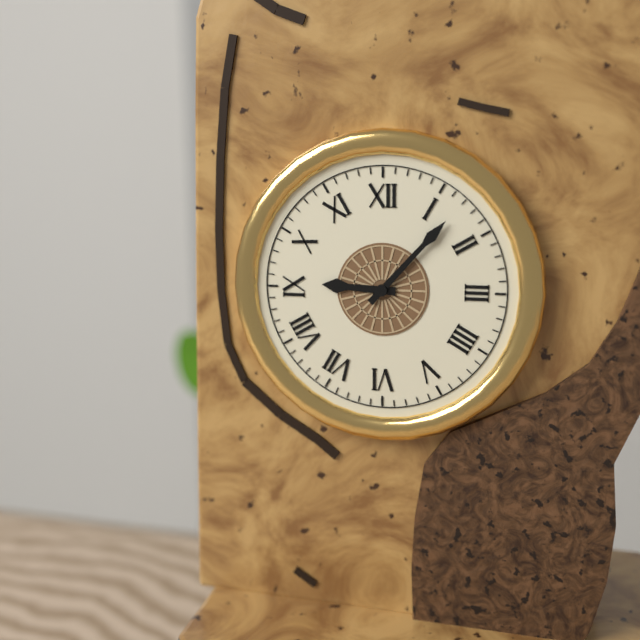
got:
h=9 m=7
